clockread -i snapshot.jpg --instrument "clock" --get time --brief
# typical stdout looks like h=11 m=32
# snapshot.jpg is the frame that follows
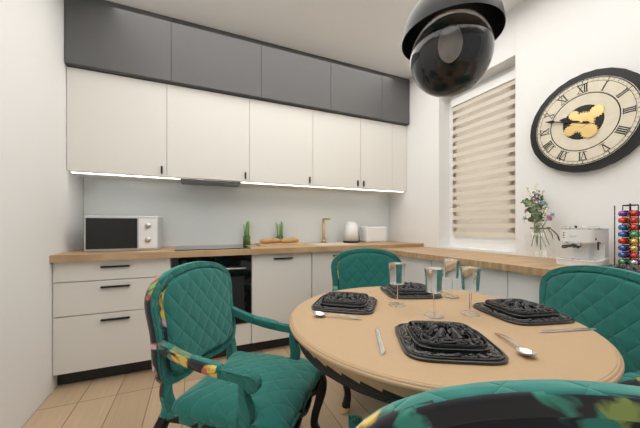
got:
h=9 m=48
